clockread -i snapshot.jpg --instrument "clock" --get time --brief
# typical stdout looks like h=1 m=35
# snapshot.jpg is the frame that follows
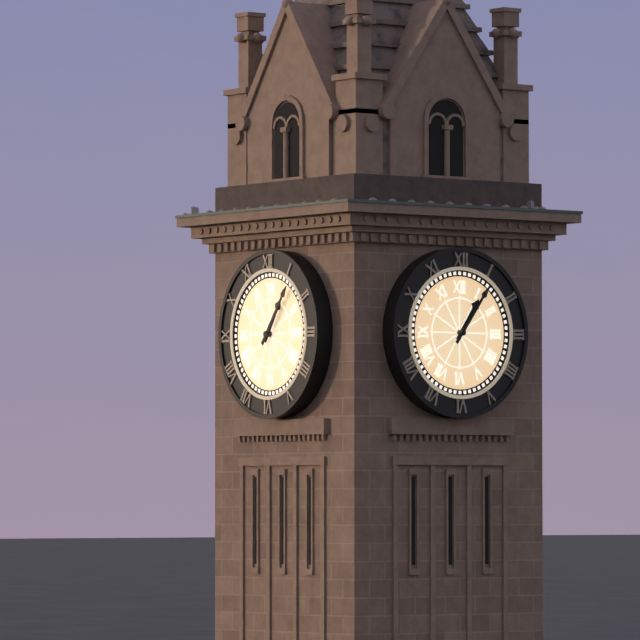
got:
h=1 m=6
